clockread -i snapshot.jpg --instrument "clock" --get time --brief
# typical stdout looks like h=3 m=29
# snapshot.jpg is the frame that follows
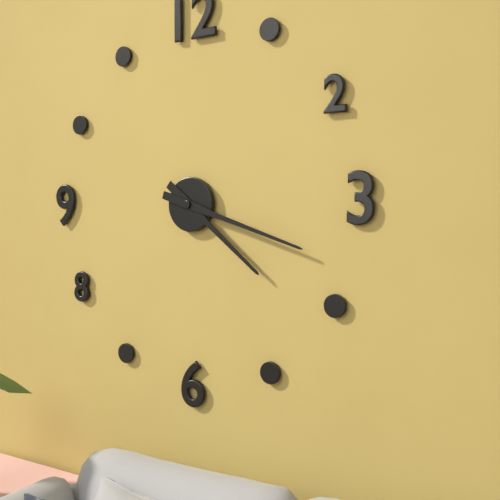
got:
h=4 m=18
